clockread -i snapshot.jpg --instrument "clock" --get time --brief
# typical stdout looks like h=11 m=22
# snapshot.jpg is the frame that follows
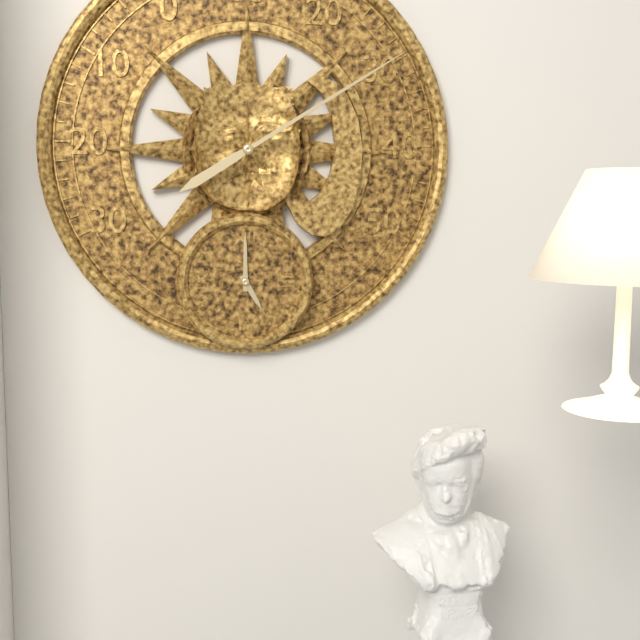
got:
h=5 m=0
